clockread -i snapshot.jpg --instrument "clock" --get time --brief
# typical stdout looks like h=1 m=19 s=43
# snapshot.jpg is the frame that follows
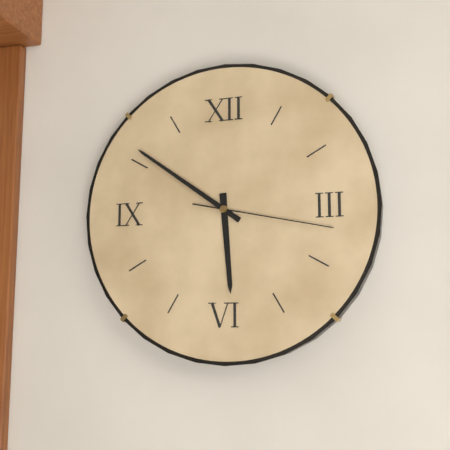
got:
h=5 m=51 s=17
